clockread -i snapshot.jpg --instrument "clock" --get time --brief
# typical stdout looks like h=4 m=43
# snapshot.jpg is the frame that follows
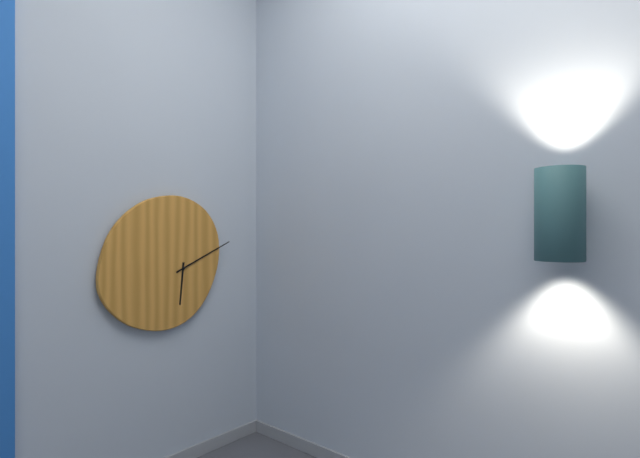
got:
h=6 m=11
